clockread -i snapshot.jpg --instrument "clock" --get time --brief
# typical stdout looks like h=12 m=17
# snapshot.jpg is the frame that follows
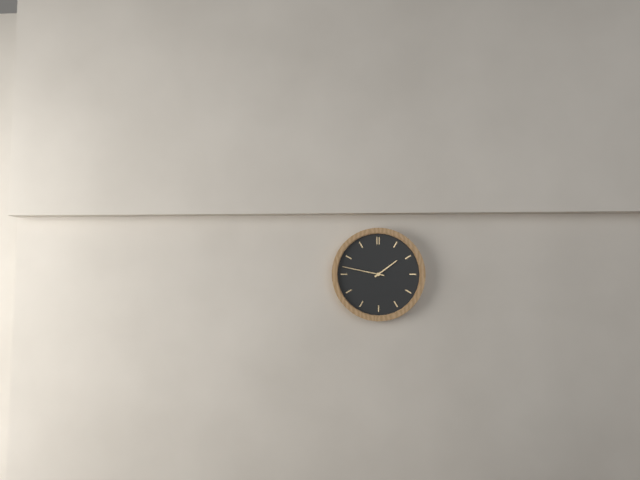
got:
h=1 m=47
